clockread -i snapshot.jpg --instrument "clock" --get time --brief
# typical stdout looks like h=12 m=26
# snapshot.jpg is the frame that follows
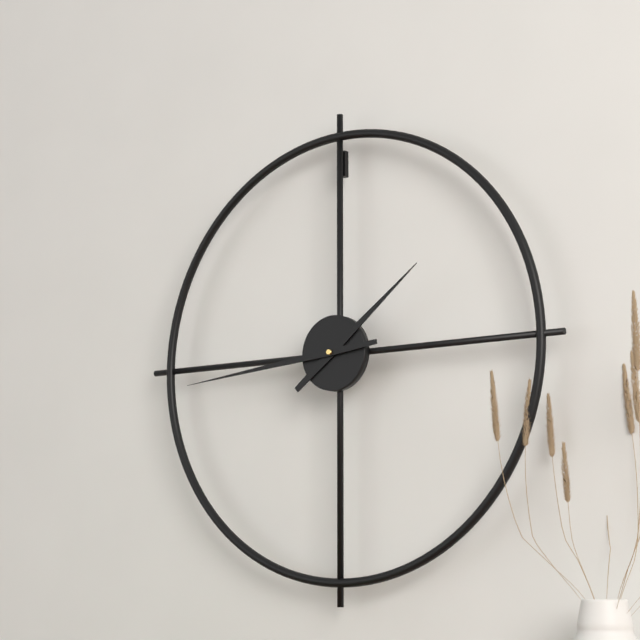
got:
h=1 m=44
